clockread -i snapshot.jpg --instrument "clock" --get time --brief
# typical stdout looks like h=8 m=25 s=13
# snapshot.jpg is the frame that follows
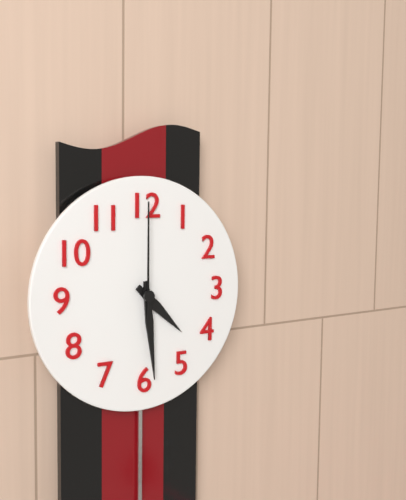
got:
h=4 m=29 s=0
